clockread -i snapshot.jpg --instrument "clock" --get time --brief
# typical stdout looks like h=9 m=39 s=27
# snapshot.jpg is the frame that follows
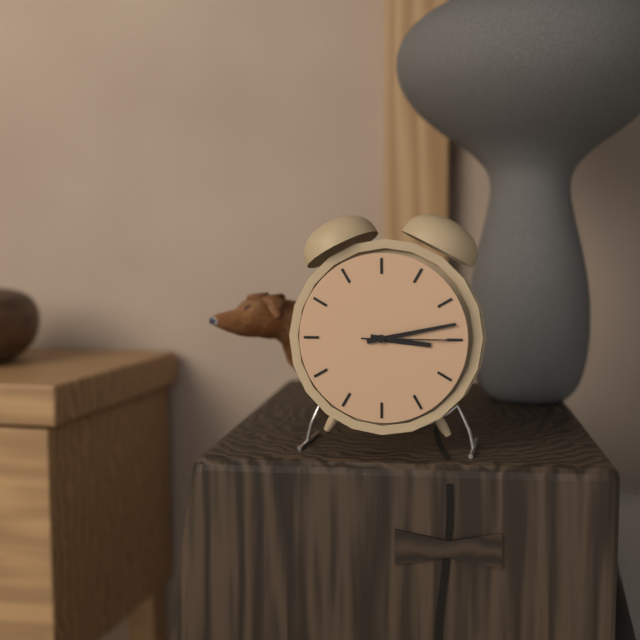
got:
h=3 m=13 s=15
